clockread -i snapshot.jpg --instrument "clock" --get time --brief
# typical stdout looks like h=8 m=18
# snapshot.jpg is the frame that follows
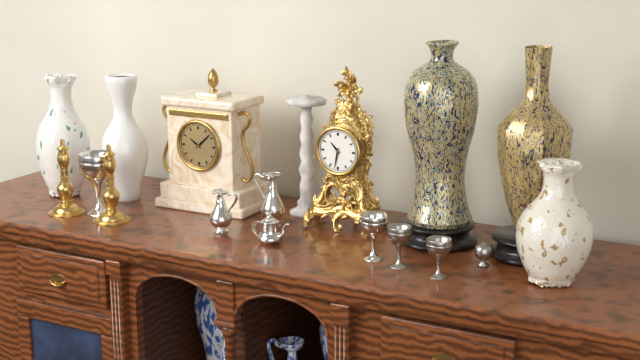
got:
h=10 m=32
